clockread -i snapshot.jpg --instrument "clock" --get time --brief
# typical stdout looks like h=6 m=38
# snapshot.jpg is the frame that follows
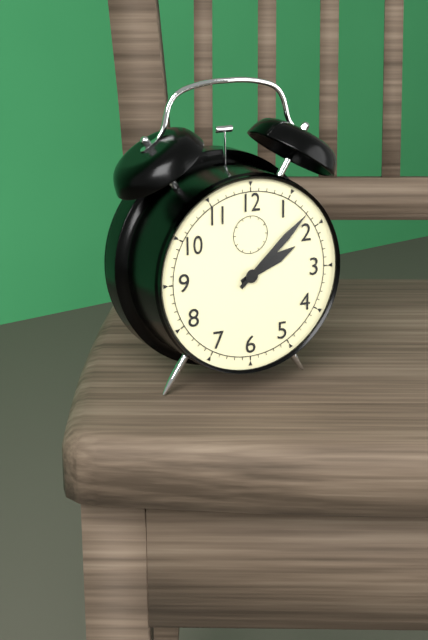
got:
h=2 m=8
